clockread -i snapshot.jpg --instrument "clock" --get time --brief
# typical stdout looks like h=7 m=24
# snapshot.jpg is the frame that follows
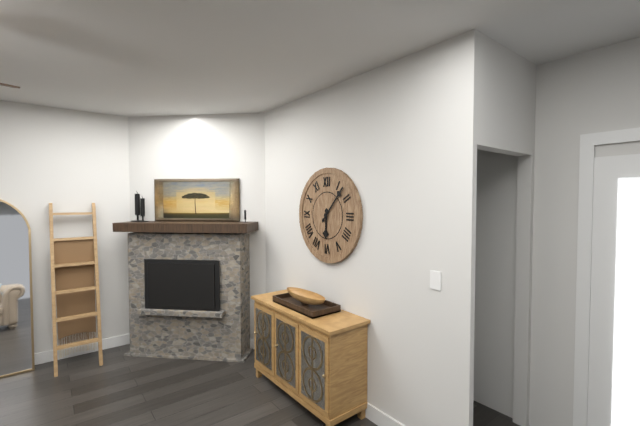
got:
h=6 m=7
